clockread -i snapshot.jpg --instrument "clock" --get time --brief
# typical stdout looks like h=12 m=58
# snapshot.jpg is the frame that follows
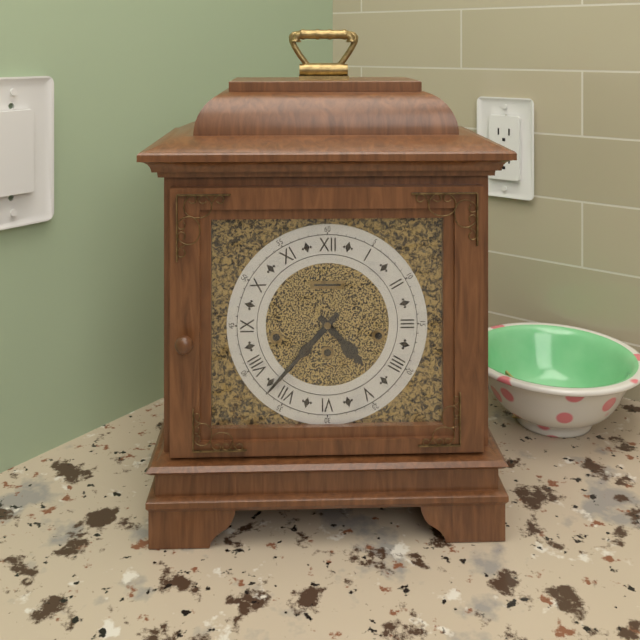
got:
h=4 m=37
